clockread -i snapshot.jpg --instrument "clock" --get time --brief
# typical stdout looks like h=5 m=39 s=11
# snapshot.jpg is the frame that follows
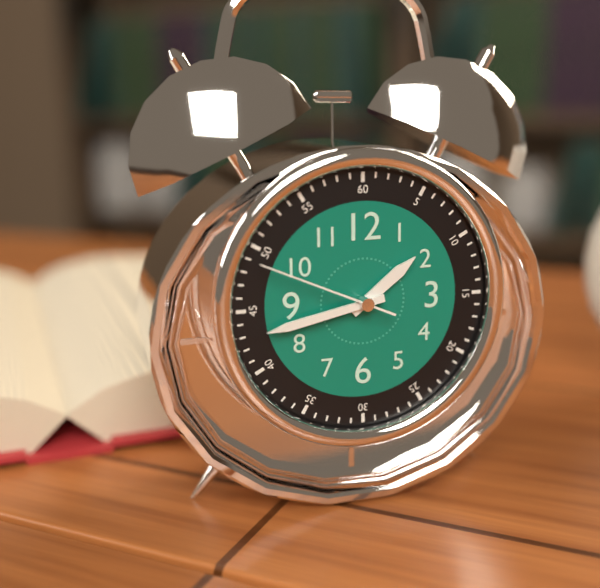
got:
h=1 m=43 s=49
